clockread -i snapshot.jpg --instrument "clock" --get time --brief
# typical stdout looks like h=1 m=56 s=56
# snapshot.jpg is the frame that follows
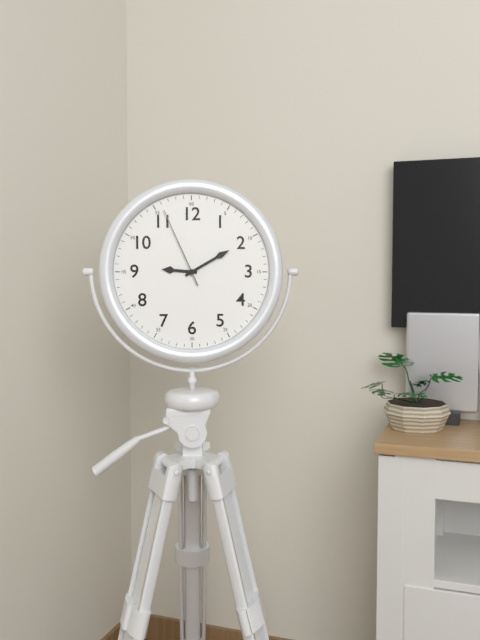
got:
h=9 m=10 s=56
